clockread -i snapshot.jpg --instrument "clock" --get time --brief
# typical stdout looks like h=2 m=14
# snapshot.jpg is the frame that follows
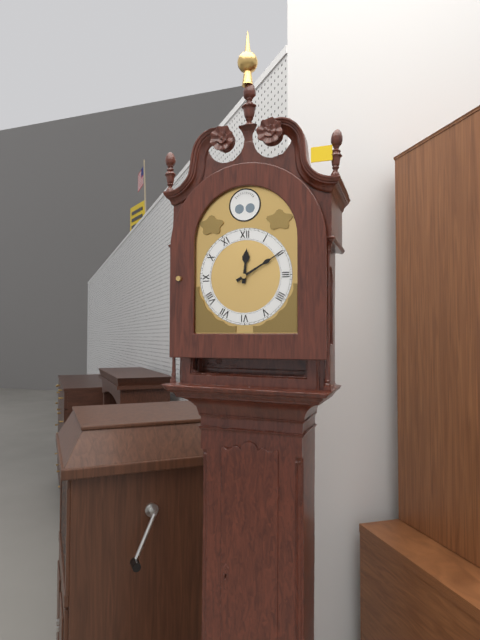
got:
h=12 m=10
